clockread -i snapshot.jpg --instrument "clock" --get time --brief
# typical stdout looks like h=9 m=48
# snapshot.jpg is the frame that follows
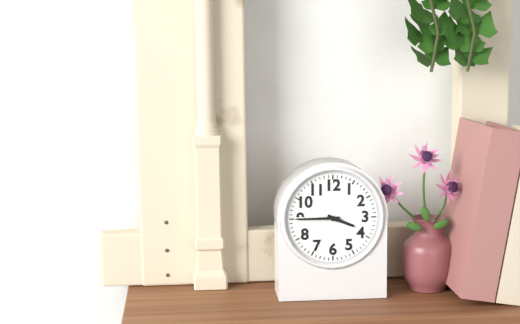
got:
h=3 m=45
